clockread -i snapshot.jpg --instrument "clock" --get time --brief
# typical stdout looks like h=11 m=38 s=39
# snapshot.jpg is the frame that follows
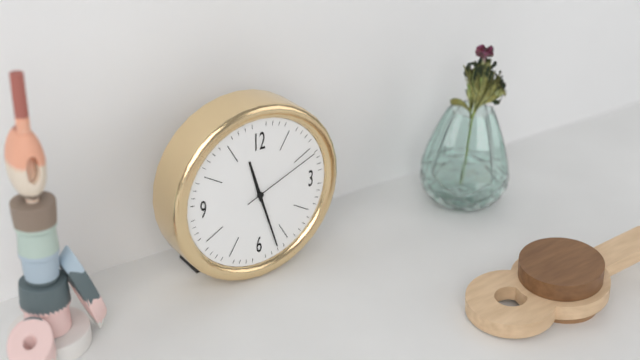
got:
h=11 m=27 s=11
